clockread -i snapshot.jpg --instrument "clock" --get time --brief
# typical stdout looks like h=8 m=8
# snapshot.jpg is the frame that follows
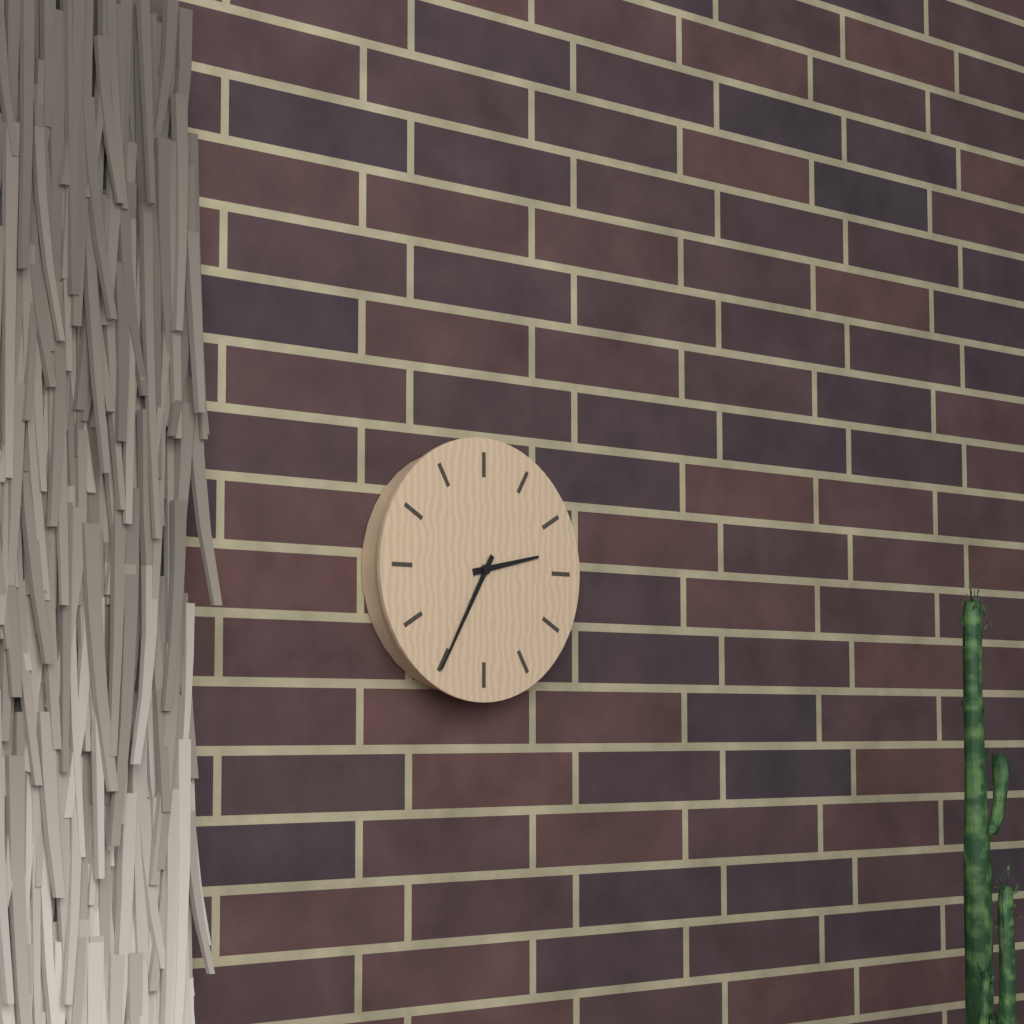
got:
h=2 m=35
